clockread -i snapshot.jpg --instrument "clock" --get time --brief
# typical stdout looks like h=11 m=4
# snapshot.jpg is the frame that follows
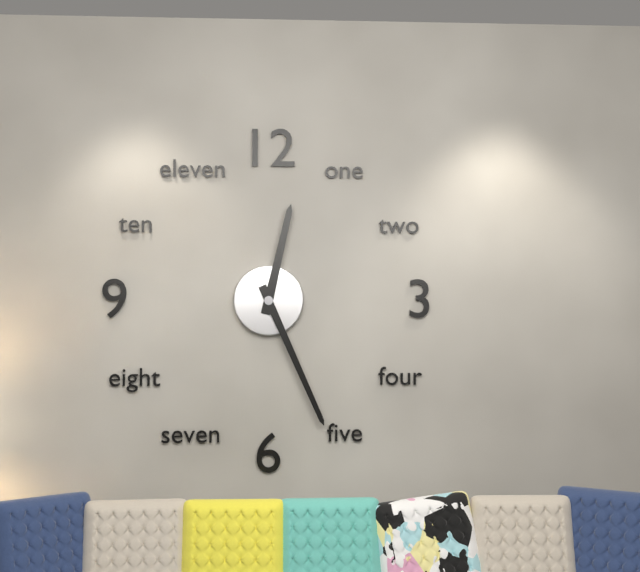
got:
h=12 m=26
